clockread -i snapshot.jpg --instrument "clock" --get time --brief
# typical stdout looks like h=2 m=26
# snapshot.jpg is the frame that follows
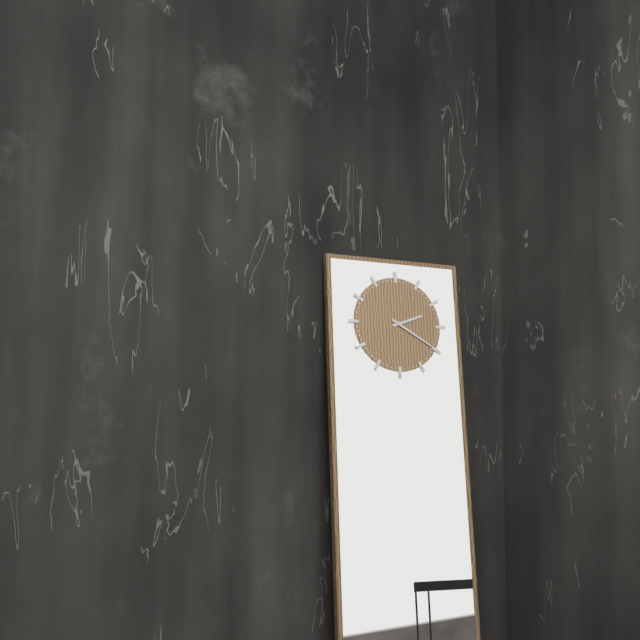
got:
h=2 m=20
